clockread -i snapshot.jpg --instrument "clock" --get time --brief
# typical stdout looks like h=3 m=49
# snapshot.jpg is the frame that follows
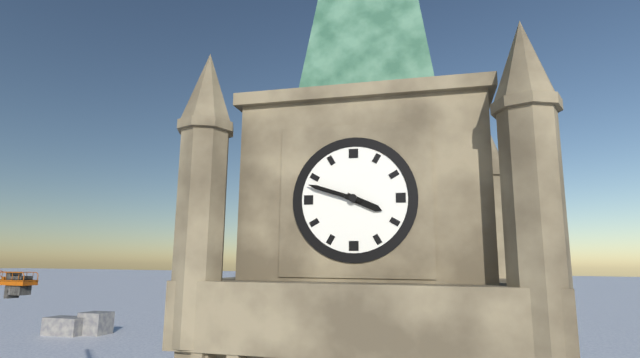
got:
h=3 m=48
